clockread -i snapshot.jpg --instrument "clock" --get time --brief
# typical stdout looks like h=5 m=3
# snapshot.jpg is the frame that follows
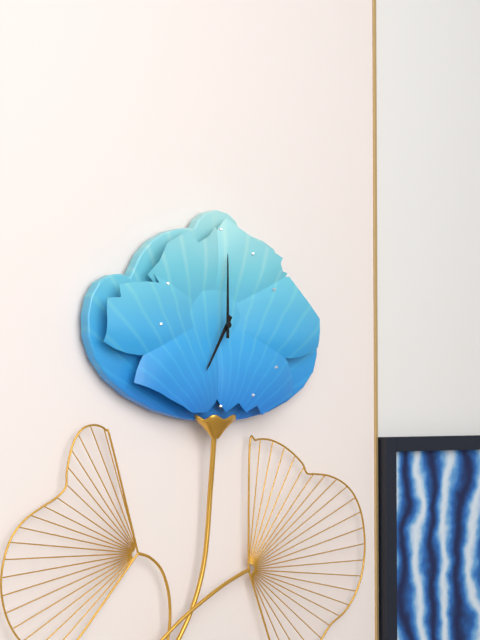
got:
h=7 m=0
